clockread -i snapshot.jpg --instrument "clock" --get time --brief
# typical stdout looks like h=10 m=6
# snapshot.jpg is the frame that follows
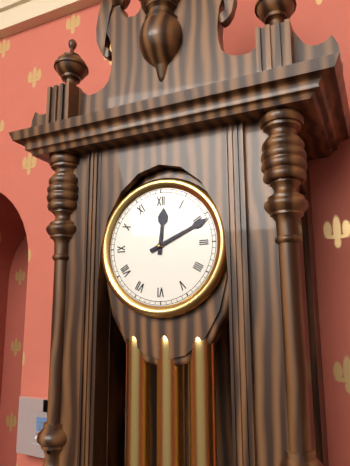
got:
h=12 m=11
